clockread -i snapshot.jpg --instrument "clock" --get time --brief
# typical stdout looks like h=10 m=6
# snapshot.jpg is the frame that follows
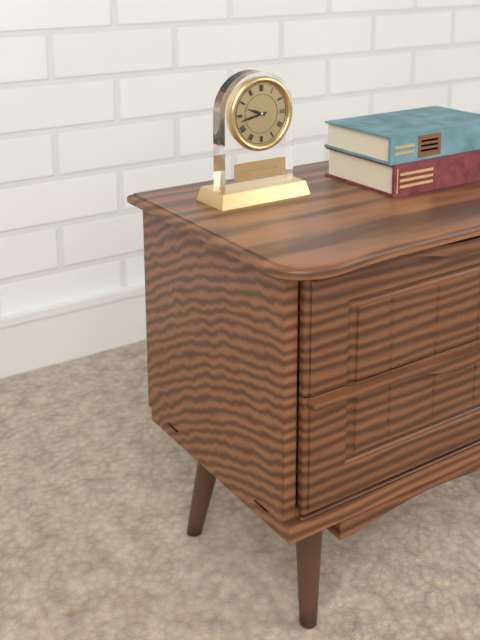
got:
h=9 m=43
